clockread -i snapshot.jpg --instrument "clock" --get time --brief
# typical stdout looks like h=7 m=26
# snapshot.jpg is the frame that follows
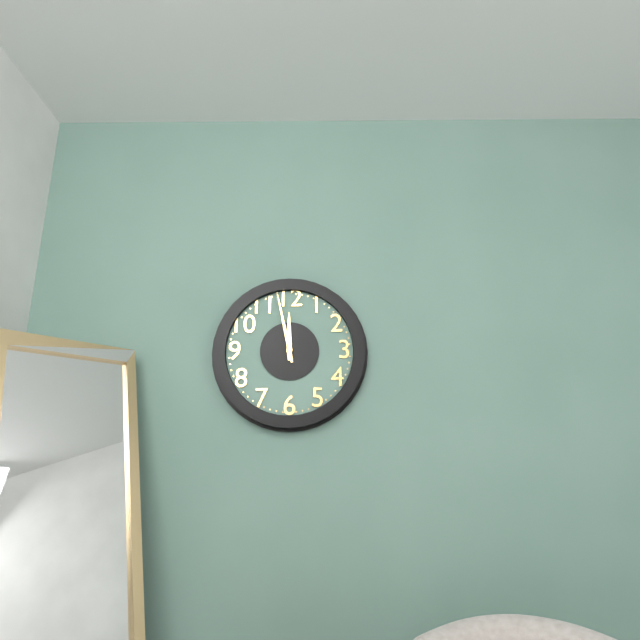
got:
h=11 m=58
